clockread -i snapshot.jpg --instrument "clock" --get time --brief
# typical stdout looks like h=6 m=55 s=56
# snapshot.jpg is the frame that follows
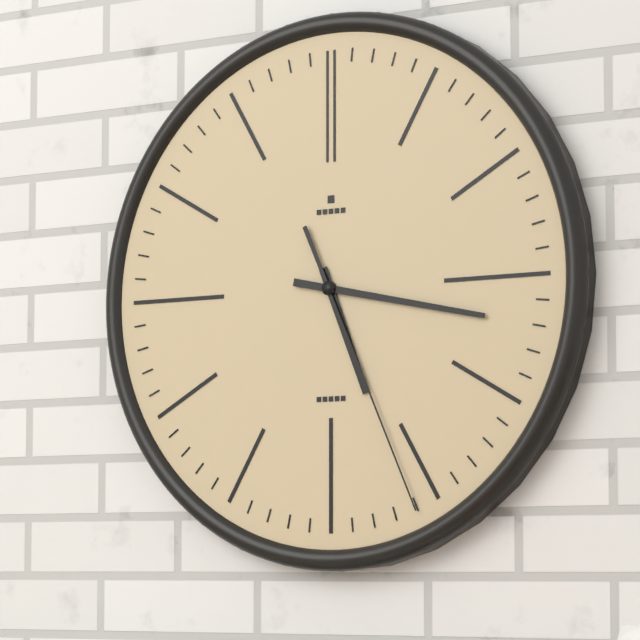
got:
h=5 m=17 s=26
